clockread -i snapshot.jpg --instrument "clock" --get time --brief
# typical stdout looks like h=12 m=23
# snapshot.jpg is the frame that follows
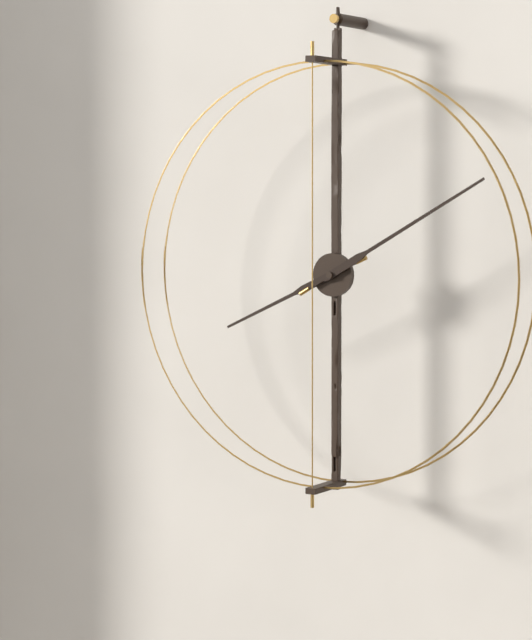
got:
h=8 m=10
